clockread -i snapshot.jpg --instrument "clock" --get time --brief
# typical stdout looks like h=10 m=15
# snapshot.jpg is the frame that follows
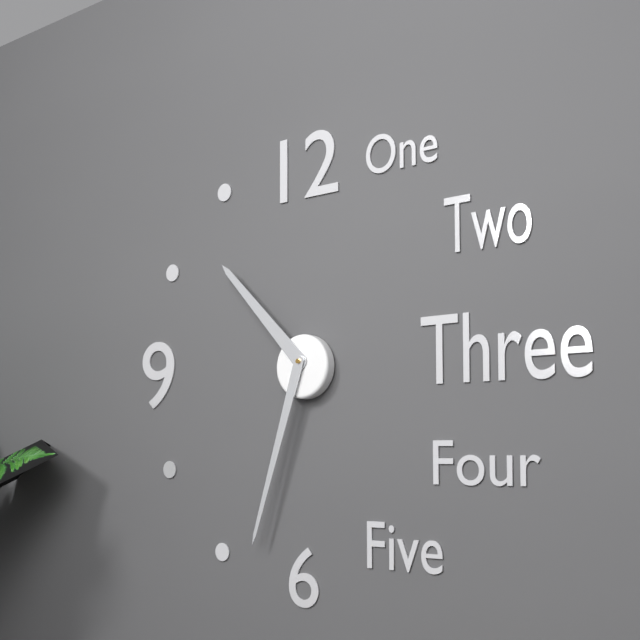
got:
h=10 m=33
